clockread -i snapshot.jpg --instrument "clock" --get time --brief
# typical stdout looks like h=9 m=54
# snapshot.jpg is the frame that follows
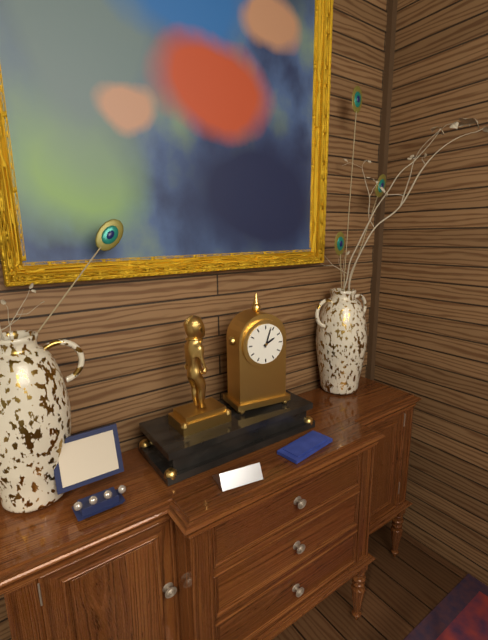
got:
h=2 m=3
